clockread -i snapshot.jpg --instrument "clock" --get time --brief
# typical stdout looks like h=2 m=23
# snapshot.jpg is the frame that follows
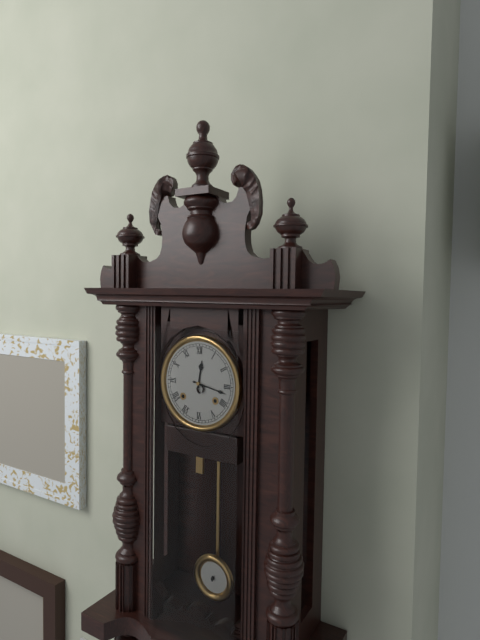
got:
h=12 m=17
